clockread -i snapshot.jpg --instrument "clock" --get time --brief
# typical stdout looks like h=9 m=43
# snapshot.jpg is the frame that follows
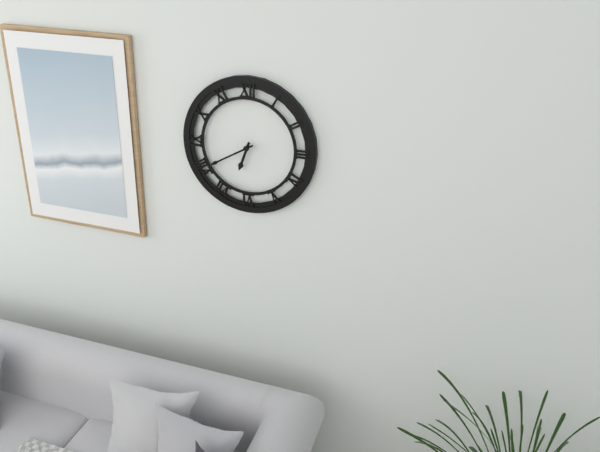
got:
h=6 m=40
